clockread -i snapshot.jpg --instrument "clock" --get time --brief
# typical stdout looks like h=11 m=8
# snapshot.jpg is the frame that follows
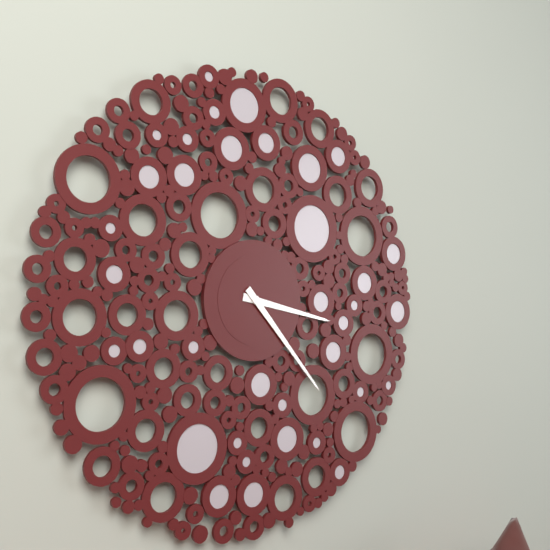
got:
h=3 m=23
